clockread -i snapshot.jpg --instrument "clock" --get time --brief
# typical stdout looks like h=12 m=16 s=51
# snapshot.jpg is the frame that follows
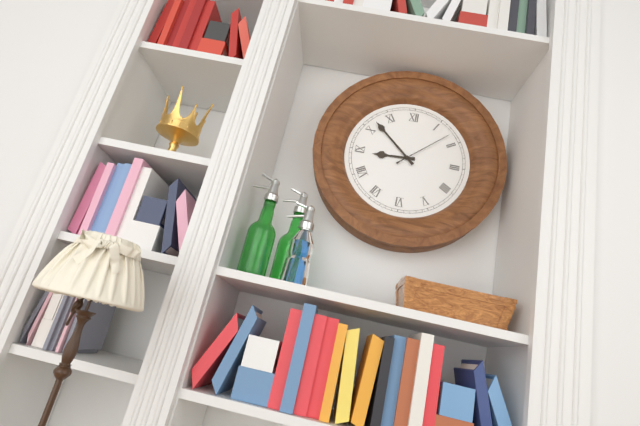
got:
h=8 m=52 s=8
